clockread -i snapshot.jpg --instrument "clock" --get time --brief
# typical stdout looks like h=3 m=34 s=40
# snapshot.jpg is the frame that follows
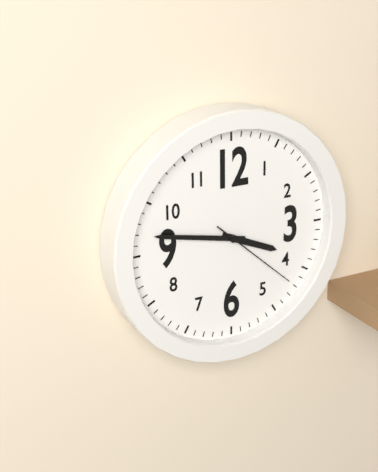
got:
h=3 m=47 s=22
